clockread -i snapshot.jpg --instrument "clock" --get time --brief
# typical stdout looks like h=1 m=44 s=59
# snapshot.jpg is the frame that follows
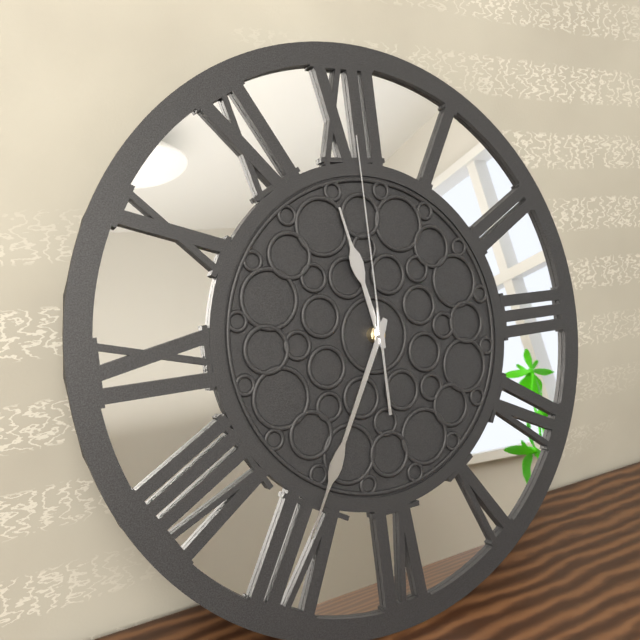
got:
h=11 m=35 s=0
